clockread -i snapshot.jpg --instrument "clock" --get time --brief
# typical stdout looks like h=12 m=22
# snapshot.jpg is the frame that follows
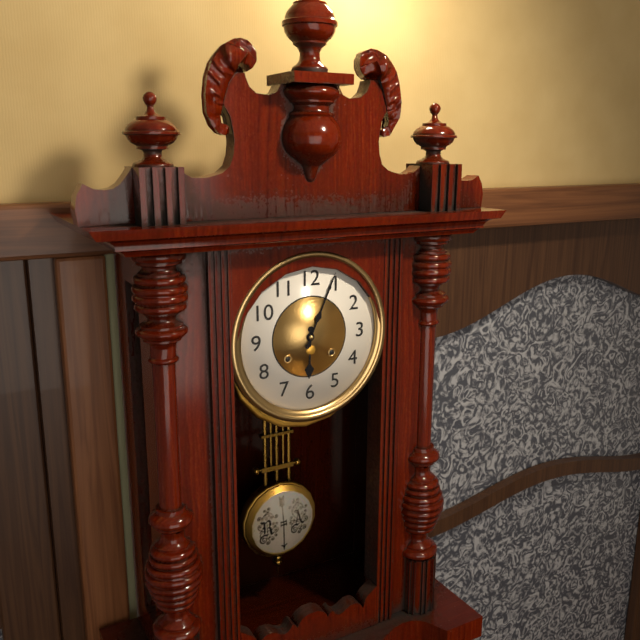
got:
h=6 m=4
